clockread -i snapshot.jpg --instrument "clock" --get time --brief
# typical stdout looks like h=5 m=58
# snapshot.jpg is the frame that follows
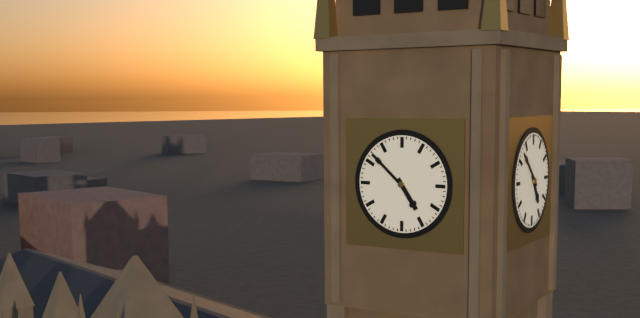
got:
h=4 m=52
